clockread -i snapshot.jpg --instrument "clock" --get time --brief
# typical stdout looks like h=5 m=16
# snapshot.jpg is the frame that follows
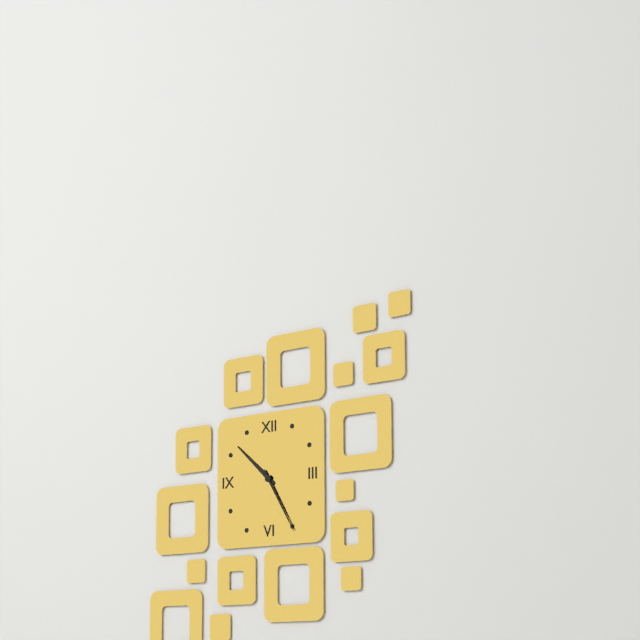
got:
h=10 m=25
